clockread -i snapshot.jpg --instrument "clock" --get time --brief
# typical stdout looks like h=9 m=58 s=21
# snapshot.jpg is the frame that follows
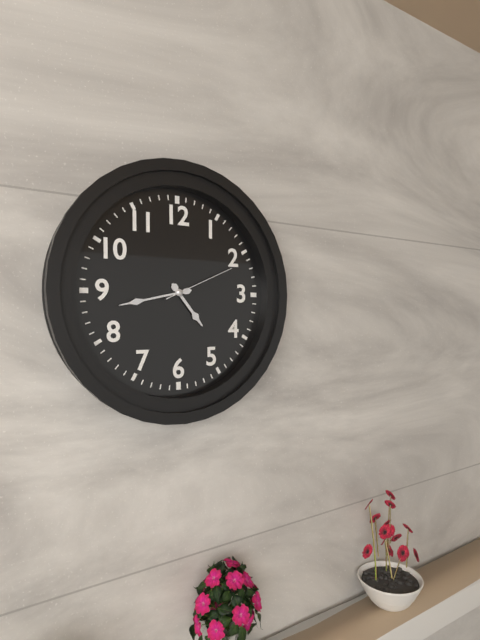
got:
h=4 m=43 s=11
